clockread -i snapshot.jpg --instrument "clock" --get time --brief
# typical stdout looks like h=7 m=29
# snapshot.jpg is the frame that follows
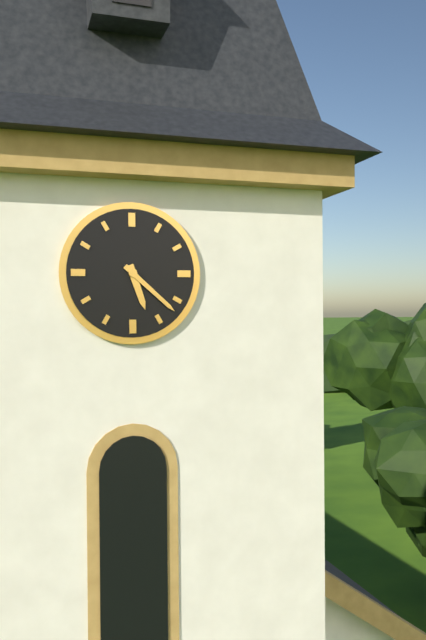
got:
h=5 m=22
